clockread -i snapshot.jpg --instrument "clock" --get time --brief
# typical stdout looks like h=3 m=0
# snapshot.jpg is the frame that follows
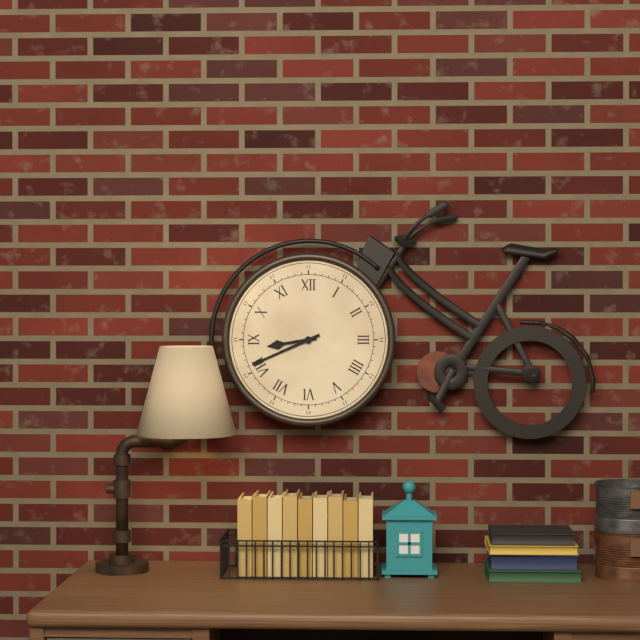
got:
h=8 m=41
